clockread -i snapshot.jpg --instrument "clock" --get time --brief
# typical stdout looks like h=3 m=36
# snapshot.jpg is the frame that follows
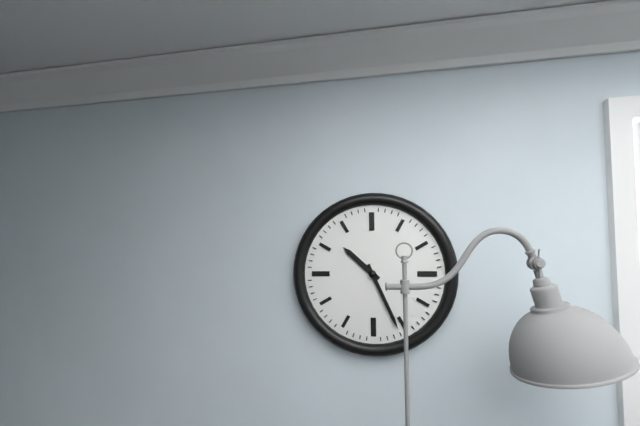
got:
h=10 m=26
